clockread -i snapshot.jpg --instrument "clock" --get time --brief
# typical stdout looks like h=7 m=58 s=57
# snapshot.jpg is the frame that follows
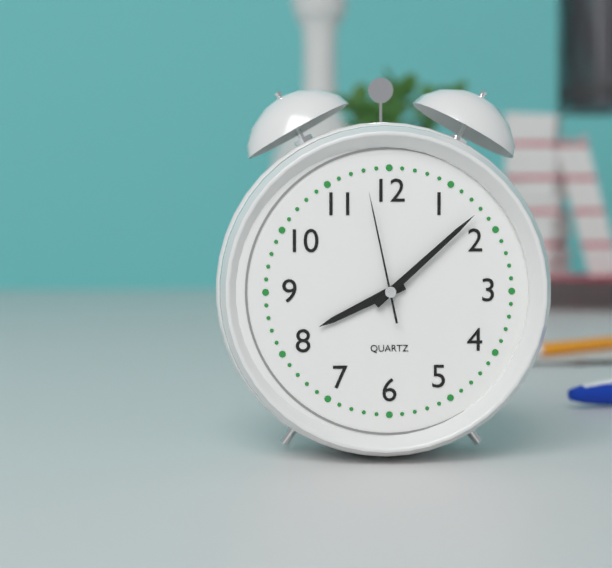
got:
h=8 m=8 s=58
